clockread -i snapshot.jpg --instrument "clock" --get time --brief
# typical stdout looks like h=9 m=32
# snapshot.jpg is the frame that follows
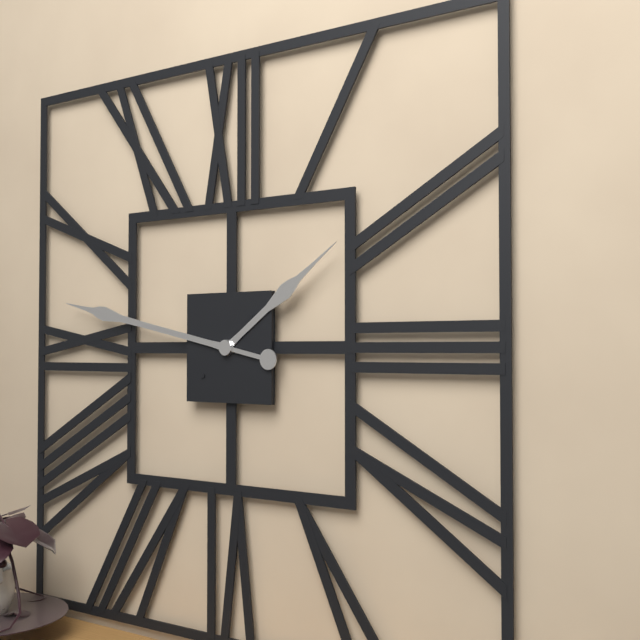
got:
h=1 m=47
